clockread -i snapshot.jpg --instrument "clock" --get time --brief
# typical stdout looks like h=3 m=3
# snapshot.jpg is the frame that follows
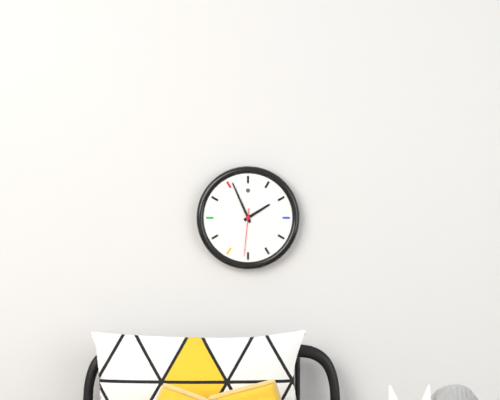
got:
h=1 m=56
